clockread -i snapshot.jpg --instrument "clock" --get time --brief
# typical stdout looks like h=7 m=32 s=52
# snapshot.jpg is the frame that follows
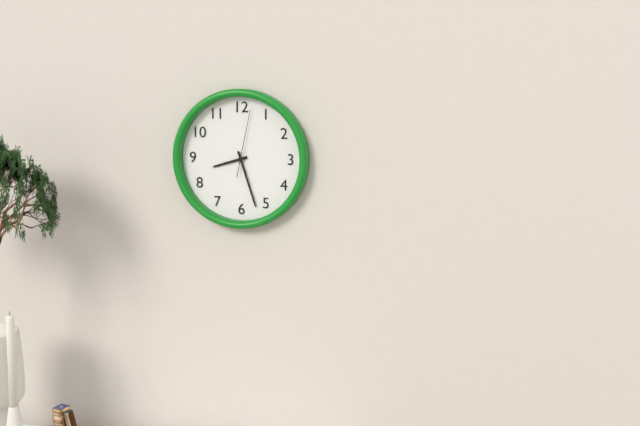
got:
h=8 m=27 s=2
